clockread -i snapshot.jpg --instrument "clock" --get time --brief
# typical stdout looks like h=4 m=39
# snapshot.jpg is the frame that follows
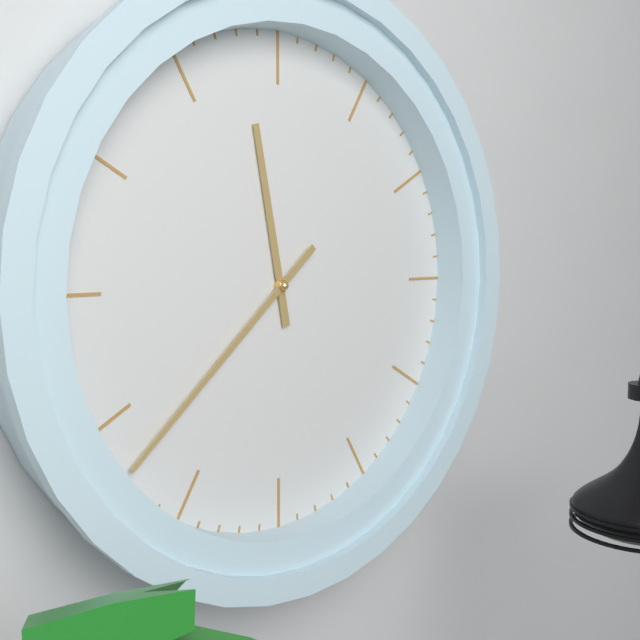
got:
h=11 m=38
